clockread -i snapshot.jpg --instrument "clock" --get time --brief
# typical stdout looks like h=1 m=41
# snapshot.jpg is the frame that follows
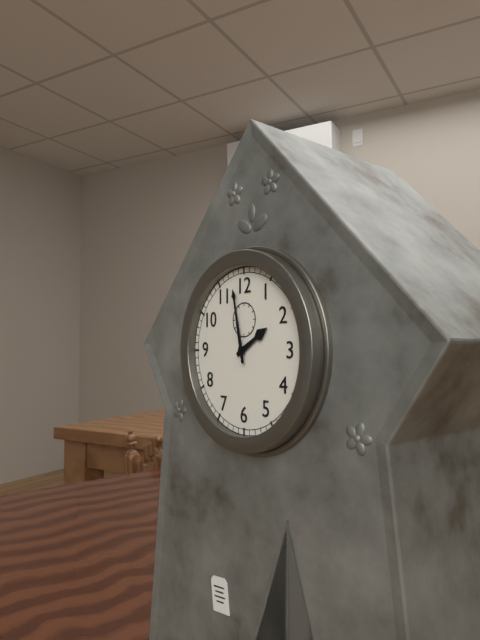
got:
h=1 m=58
